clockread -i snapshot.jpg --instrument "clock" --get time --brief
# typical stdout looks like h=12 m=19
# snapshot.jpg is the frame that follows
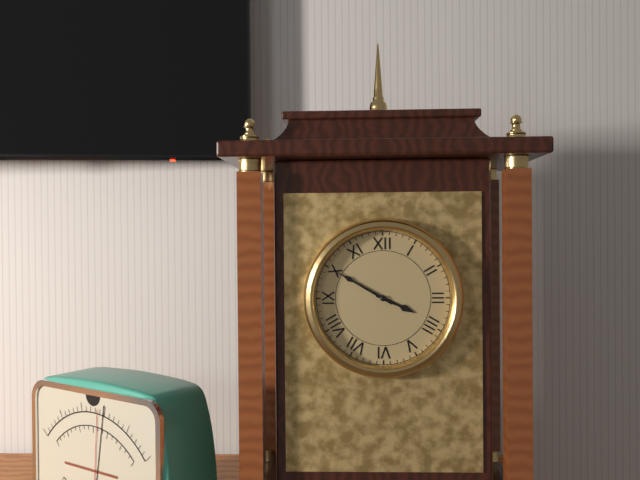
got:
h=3 m=50
